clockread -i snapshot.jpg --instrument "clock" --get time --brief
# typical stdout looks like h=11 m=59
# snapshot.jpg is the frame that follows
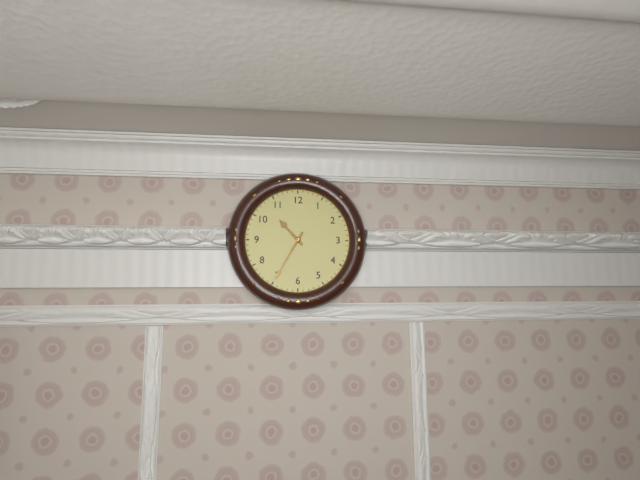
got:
h=10 m=35
